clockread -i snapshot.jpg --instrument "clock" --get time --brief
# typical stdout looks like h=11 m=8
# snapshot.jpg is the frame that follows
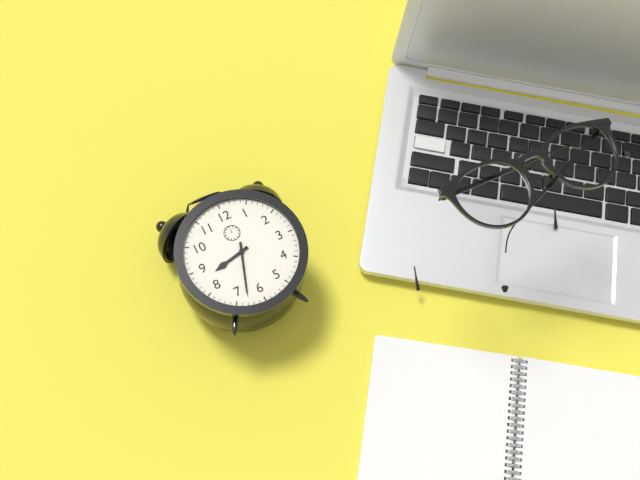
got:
h=8 m=33
